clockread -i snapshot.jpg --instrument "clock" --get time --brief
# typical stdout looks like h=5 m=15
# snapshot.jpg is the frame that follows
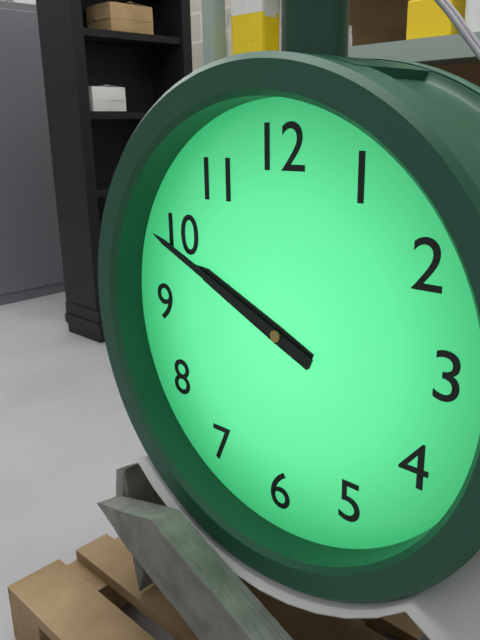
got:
h=9 m=49
